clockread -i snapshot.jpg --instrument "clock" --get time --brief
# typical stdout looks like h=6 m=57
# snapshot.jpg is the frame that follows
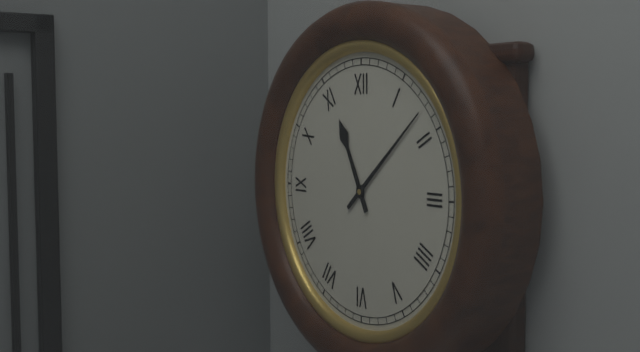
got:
h=11 m=8
